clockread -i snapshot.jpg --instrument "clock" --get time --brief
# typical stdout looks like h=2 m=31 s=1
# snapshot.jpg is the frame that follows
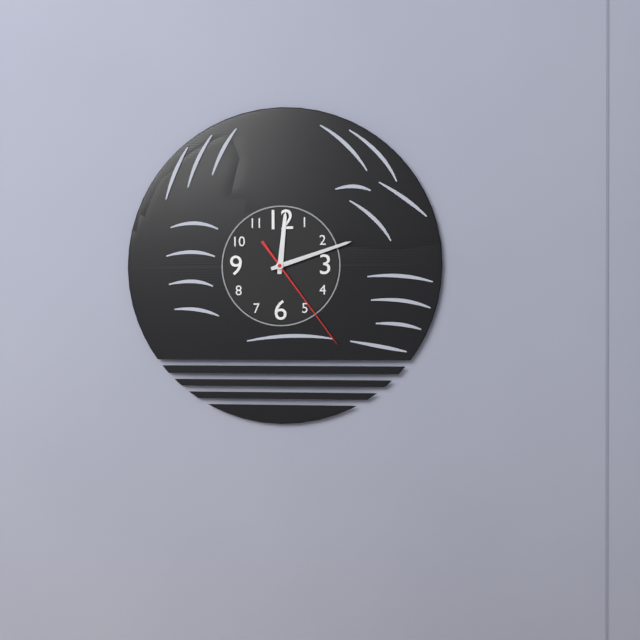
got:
h=12 m=12 s=24
